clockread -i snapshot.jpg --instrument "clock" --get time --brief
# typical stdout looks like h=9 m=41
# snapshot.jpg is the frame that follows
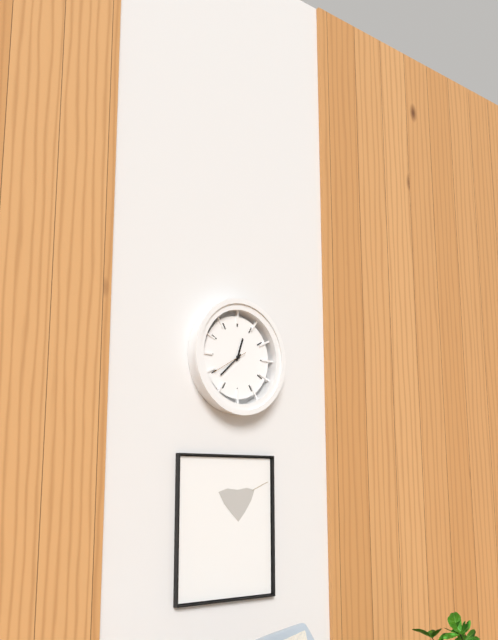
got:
h=12 m=38
